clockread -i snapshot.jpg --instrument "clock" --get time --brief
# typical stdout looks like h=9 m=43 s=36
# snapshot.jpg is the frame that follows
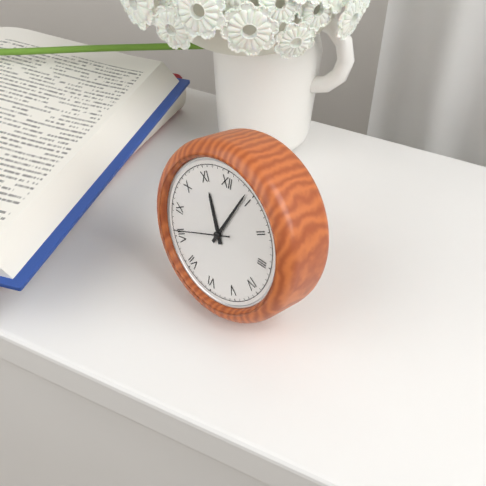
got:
h=11 m=4 s=41
